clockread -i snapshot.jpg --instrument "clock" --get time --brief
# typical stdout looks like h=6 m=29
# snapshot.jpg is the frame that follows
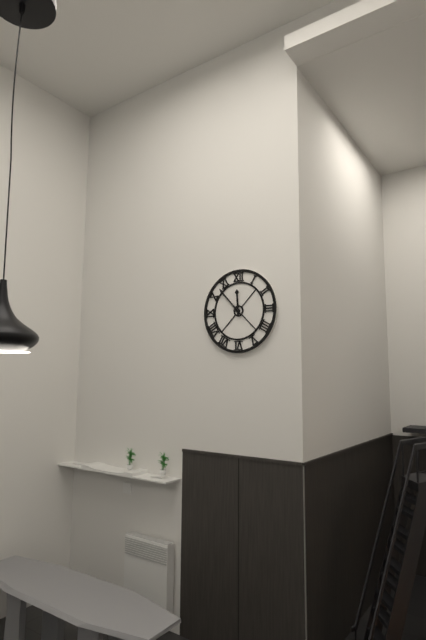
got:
h=11 m=53
